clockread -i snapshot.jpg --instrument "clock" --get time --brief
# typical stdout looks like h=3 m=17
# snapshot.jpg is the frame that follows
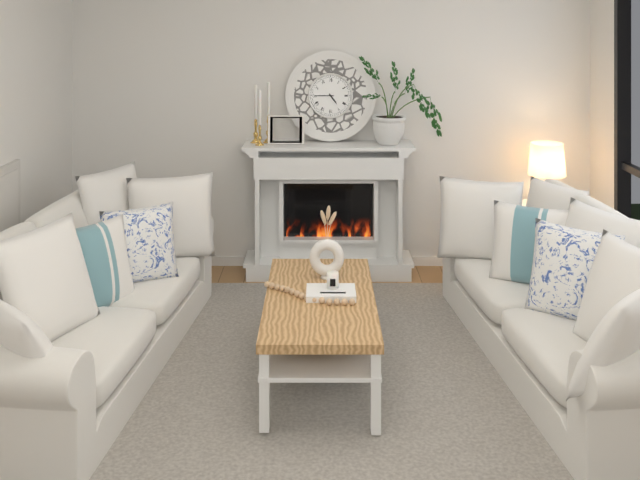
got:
h=4 m=45
